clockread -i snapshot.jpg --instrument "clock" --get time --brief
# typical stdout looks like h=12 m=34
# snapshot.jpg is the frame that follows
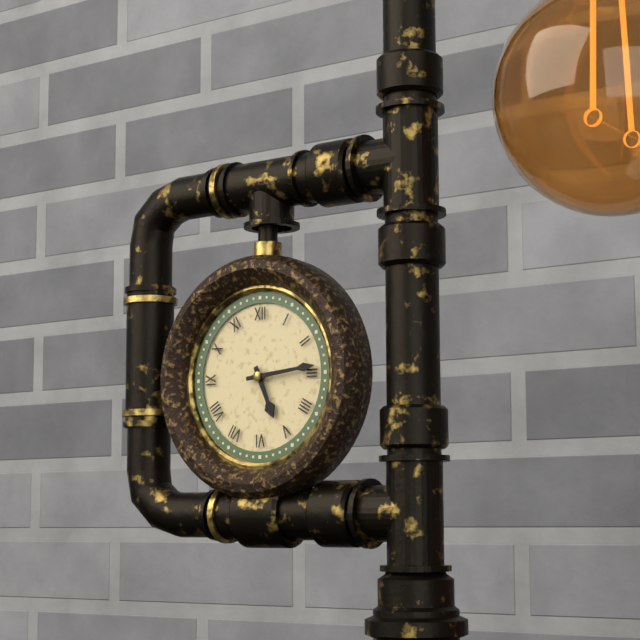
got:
h=5 m=14
